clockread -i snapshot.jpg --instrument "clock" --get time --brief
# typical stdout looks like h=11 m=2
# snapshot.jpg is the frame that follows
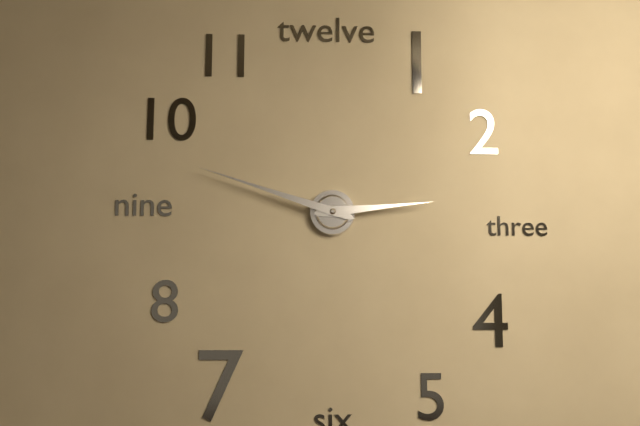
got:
h=2 m=48
